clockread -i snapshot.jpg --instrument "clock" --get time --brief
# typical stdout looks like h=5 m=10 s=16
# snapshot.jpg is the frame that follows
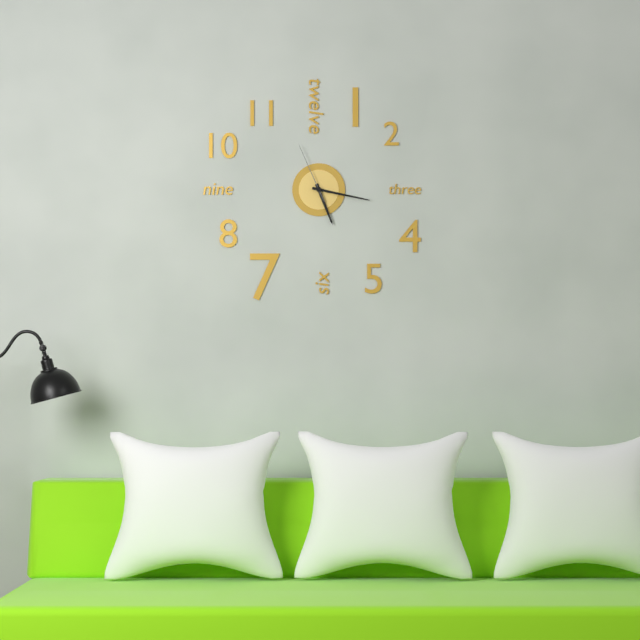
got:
h=5 m=17 s=56
